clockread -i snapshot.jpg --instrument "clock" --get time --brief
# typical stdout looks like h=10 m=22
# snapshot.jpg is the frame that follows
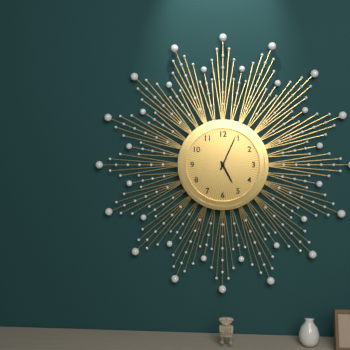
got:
h=5 m=4
